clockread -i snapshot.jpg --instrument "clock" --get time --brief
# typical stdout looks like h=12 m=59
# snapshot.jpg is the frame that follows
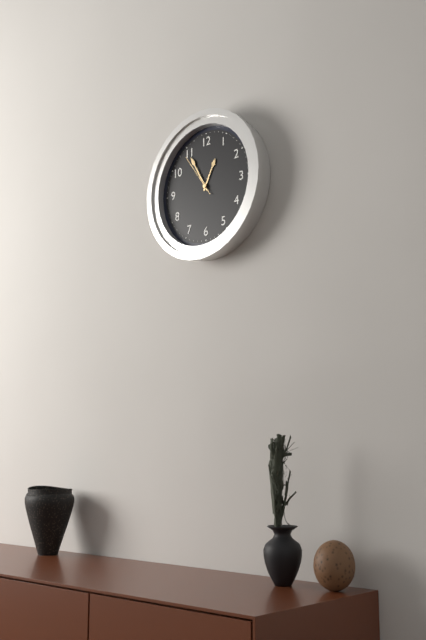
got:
h=12 m=55
